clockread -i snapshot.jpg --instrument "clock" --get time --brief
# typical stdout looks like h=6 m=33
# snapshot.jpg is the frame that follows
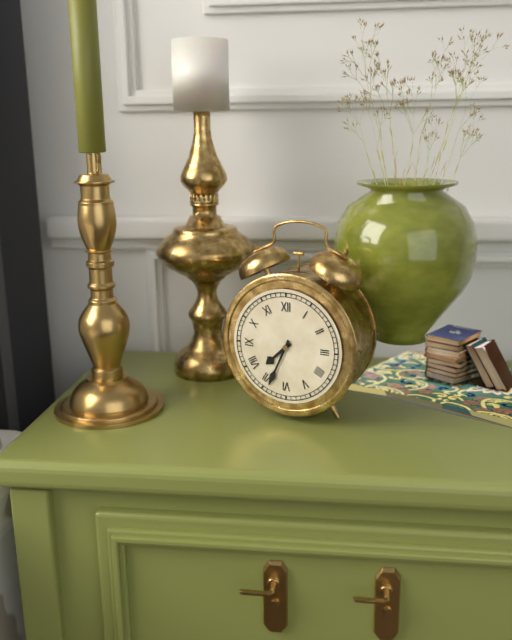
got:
h=7 m=34
